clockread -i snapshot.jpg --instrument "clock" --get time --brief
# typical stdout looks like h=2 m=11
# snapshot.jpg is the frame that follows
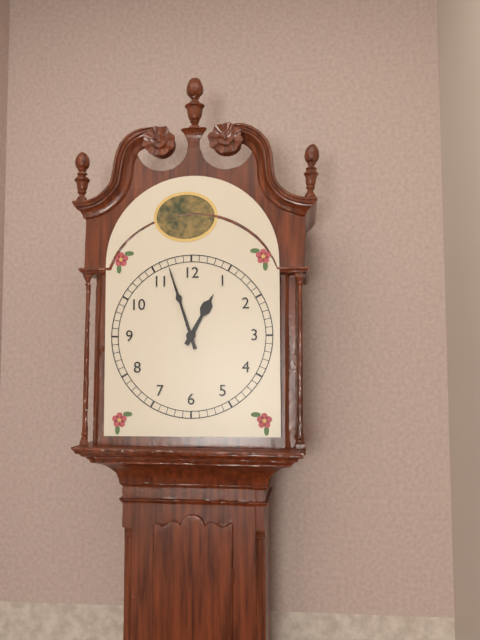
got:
h=12 m=57
